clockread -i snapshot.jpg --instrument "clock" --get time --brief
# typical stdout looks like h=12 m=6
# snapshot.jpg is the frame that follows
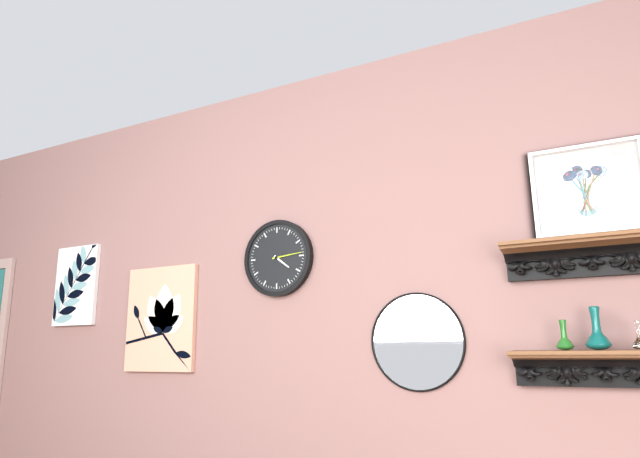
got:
h=4 m=14
